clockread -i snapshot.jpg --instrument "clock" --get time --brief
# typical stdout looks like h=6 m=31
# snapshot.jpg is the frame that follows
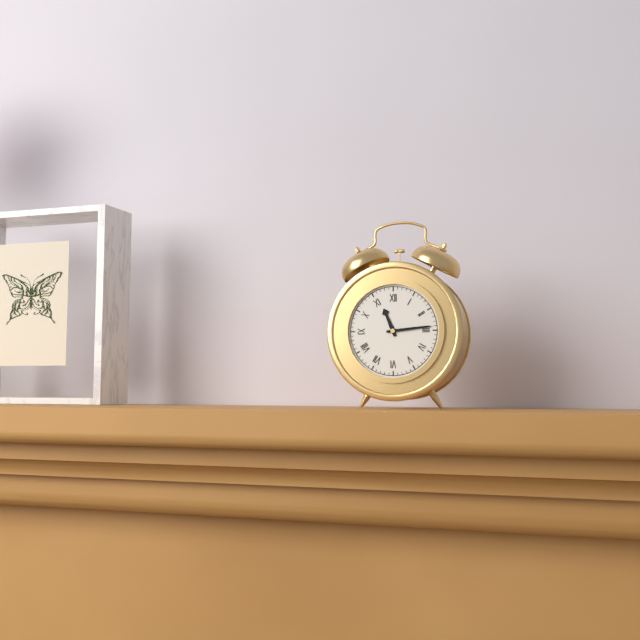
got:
h=11 m=14
